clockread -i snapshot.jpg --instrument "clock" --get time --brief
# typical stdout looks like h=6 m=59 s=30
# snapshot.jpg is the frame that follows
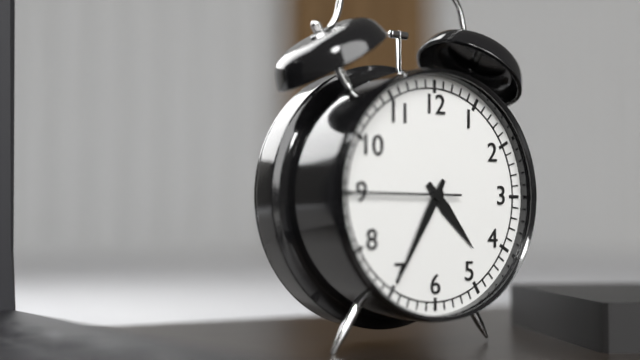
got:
h=4 m=35 s=45
